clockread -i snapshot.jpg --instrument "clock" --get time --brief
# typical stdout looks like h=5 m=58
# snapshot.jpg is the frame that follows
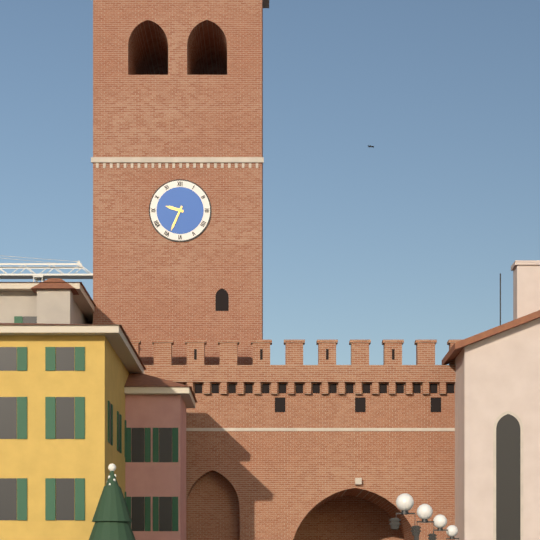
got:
h=9 m=34
